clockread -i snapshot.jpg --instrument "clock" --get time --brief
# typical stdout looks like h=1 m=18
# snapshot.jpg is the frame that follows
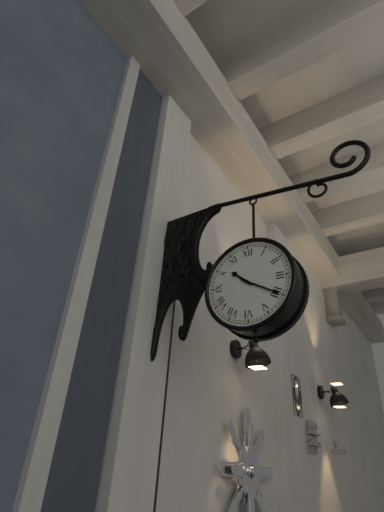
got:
h=10 m=20
